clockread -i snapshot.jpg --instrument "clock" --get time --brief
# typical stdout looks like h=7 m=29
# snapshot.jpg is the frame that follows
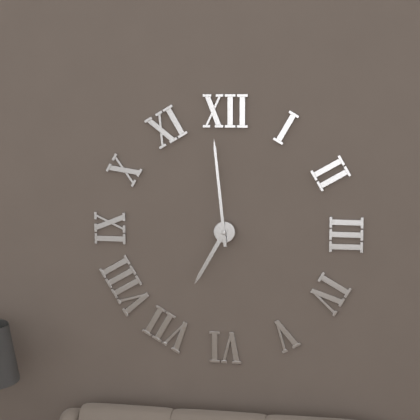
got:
h=6 m=59
